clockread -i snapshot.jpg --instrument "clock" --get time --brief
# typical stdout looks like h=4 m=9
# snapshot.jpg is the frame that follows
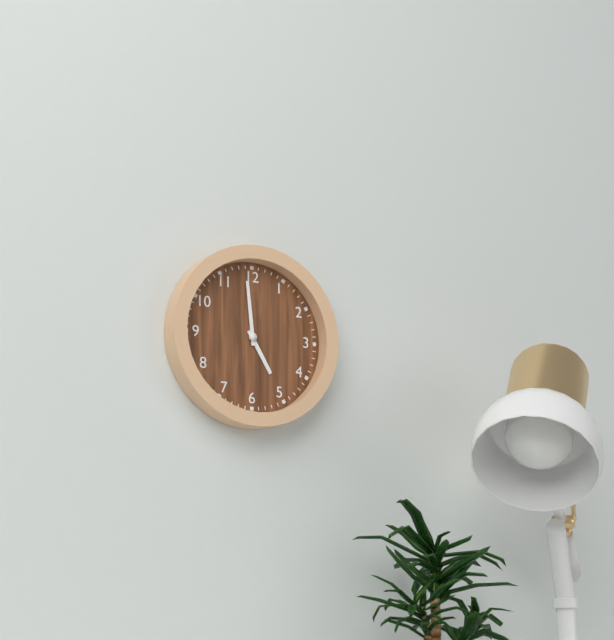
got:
h=4 m=59
